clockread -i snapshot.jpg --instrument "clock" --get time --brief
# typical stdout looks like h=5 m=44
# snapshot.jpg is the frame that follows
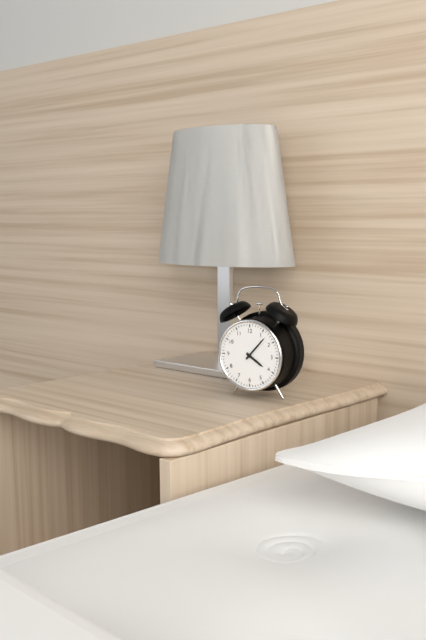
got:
h=4 m=7
